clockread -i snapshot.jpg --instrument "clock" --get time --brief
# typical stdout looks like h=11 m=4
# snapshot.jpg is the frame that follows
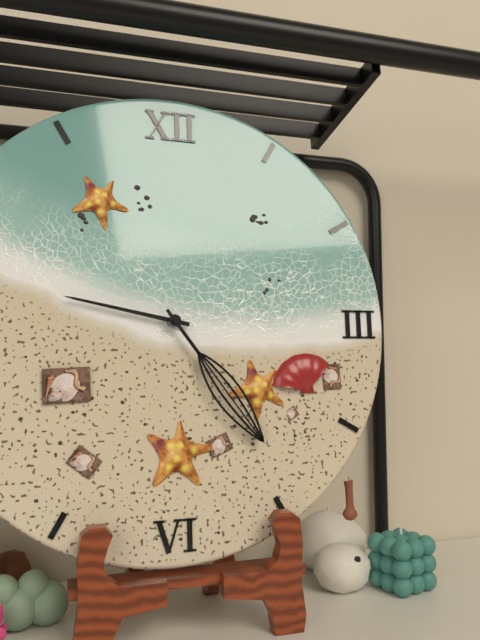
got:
h=9 m=24
